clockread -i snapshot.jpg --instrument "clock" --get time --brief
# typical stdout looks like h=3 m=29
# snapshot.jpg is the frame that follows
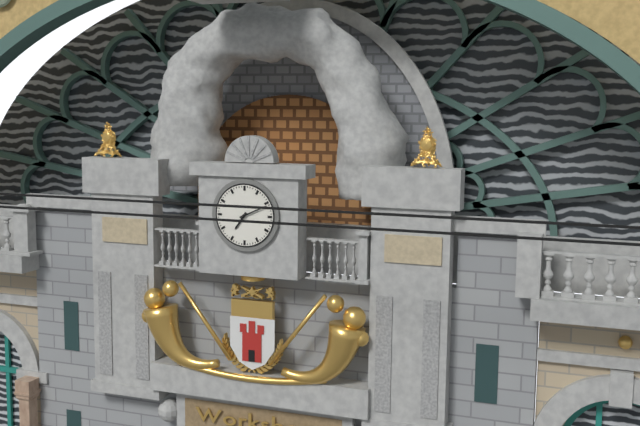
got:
h=7 m=11
